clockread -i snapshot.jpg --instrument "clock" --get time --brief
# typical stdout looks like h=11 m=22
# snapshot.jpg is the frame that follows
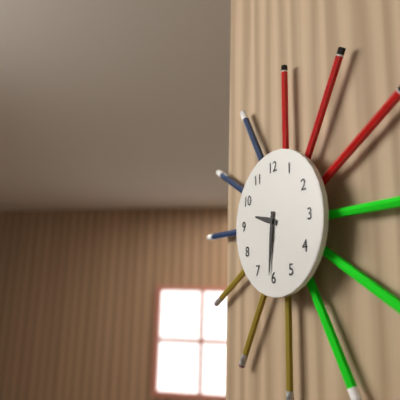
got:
h=9 m=31
